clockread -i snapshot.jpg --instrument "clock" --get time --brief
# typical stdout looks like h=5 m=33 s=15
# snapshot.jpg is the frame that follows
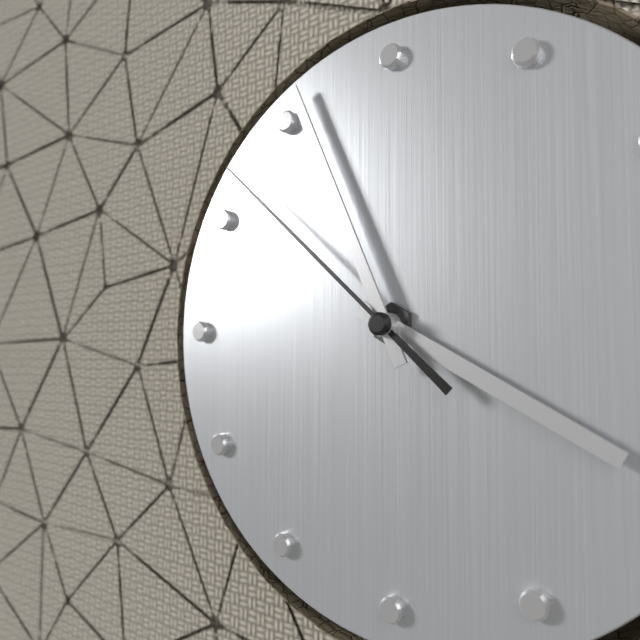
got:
h=3 m=56 s=52
